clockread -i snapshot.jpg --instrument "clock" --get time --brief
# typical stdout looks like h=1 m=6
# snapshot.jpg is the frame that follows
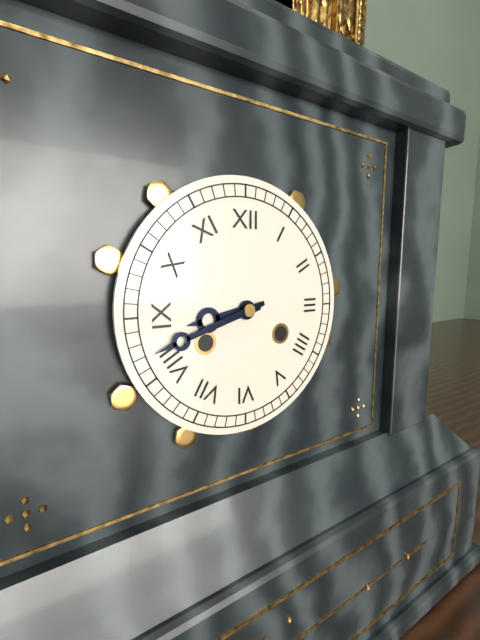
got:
h=8 m=42
